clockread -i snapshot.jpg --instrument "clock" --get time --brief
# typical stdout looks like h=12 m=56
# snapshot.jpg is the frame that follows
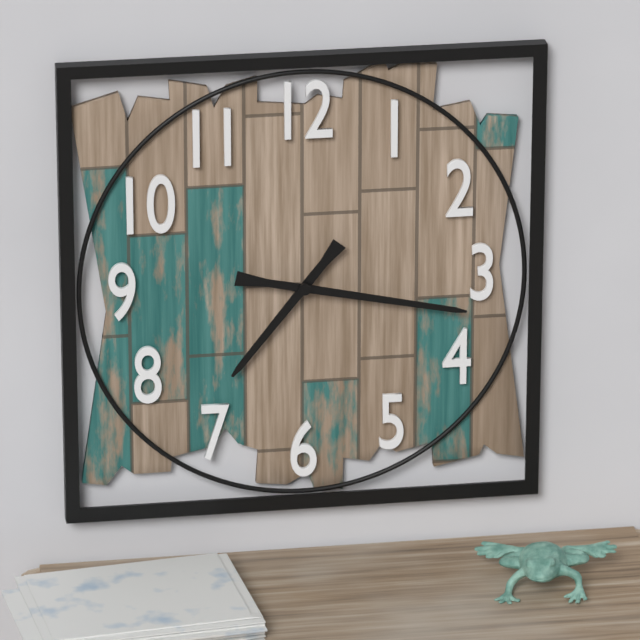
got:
h=7 m=17
